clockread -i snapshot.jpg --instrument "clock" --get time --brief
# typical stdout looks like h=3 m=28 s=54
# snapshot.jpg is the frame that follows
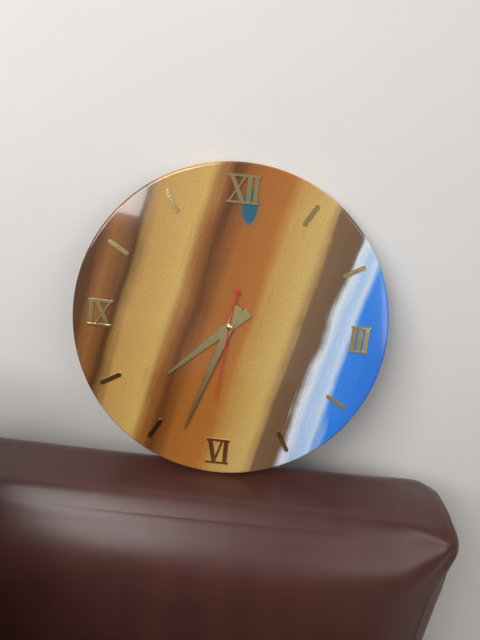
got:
h=7 m=33 s=31
